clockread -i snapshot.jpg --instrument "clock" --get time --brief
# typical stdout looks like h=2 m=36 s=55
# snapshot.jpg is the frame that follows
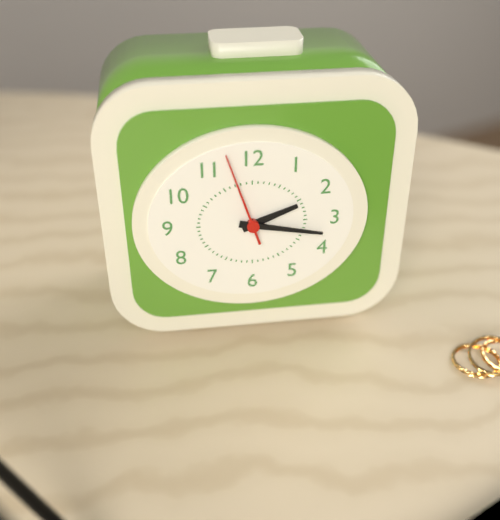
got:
h=2 m=17 s=57
